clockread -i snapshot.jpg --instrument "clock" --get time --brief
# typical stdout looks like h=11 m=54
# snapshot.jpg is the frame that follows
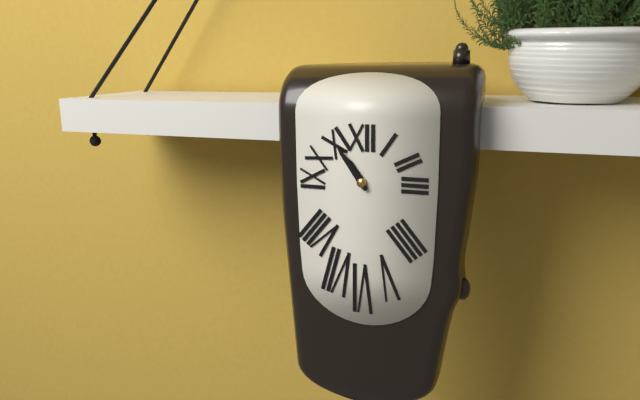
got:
h=10 m=54
